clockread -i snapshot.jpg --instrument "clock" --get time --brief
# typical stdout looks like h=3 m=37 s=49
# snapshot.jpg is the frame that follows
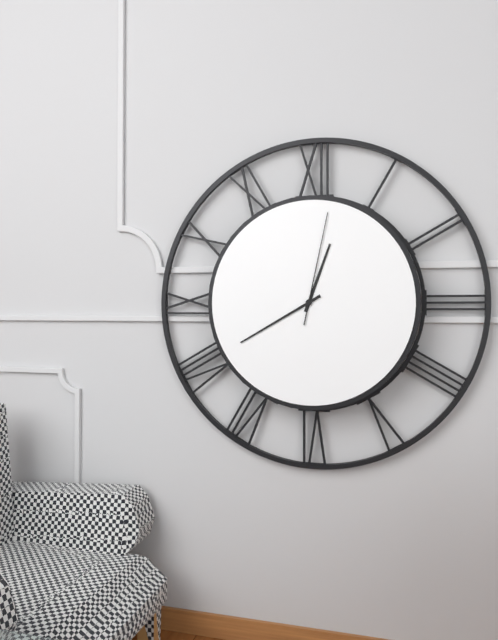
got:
h=12 m=40 s=2
